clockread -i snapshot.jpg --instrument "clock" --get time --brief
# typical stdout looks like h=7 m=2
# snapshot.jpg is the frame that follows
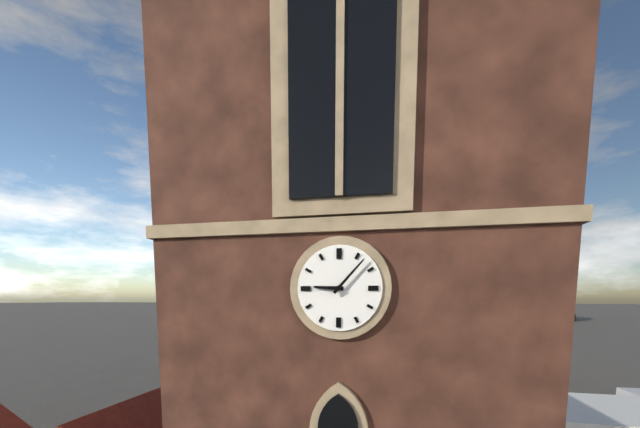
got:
h=9 m=7
